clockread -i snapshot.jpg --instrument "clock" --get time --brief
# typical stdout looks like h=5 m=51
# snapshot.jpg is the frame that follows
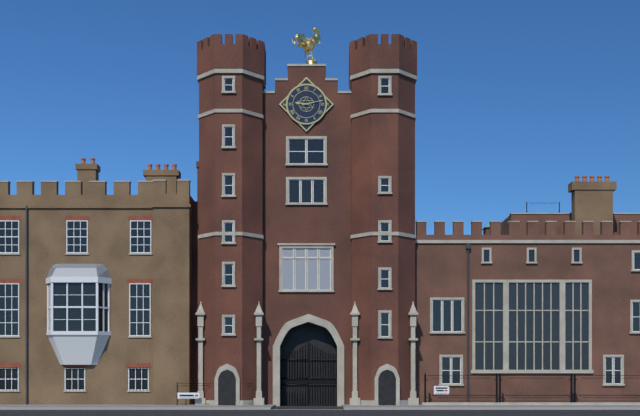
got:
h=9 m=13
